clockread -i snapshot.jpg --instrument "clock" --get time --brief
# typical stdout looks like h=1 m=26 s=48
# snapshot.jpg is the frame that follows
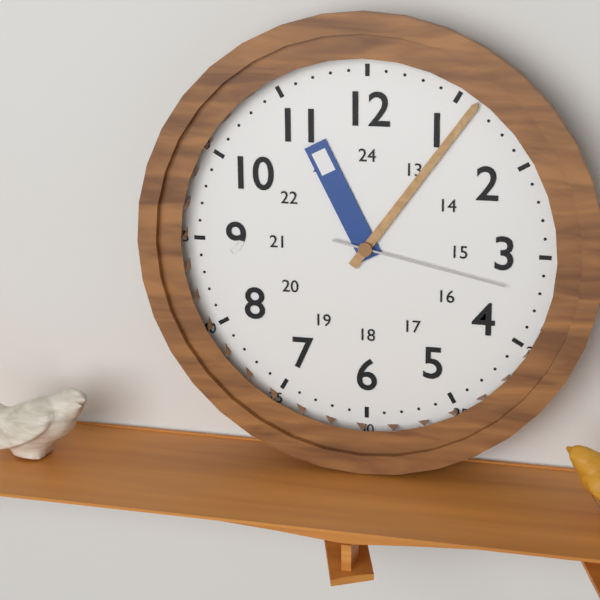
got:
h=11 m=6 s=17
